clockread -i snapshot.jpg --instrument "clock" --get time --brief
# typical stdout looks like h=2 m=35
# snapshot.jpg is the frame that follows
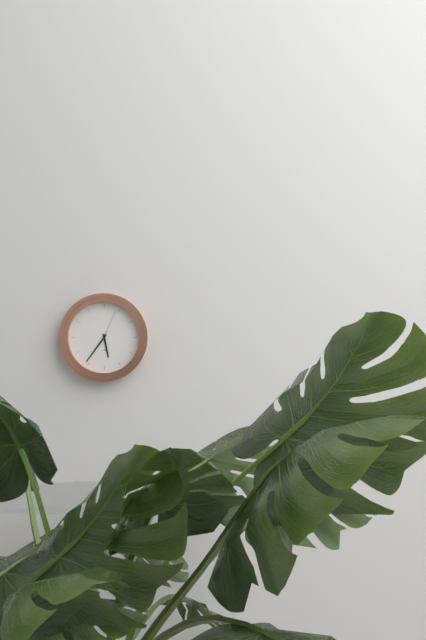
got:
h=5 m=36
